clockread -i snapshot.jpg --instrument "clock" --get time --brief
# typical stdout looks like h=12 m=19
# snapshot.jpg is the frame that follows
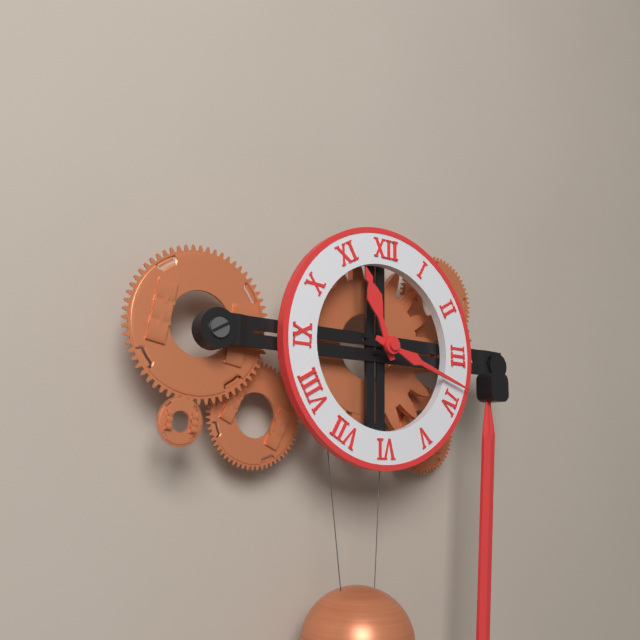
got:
h=11 m=18
